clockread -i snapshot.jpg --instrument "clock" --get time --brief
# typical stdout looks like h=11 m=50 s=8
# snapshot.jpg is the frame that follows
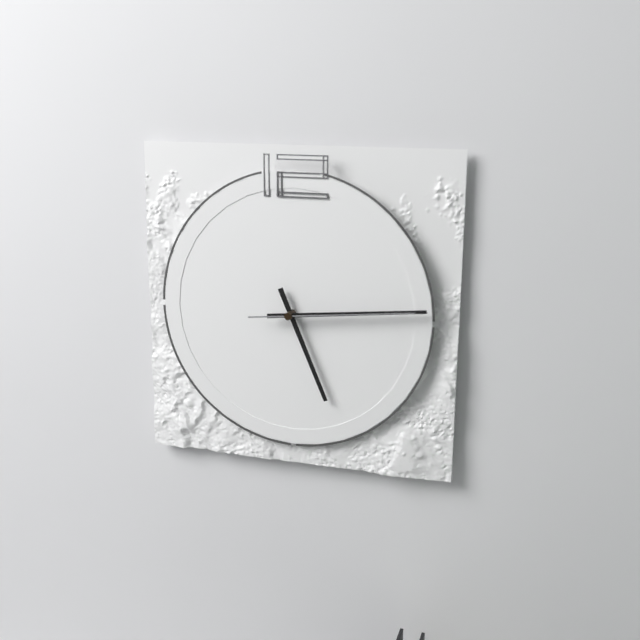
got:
h=5 m=14 s=14
